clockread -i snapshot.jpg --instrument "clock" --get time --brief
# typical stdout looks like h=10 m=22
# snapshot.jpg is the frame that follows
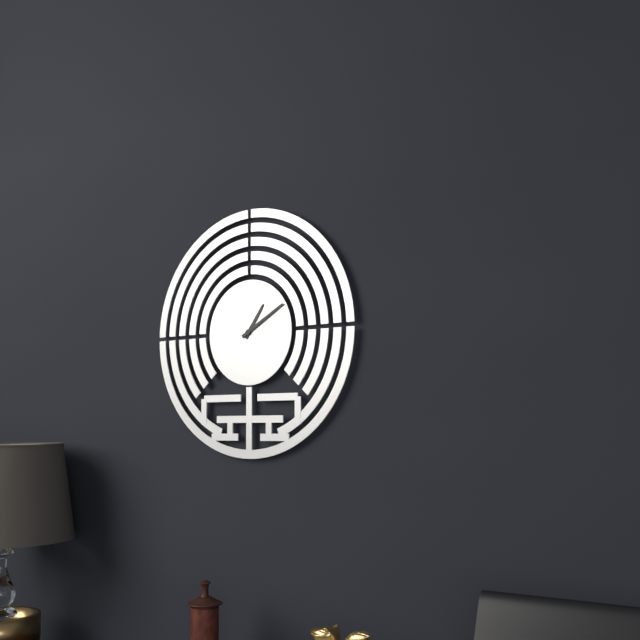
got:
h=1 m=10
